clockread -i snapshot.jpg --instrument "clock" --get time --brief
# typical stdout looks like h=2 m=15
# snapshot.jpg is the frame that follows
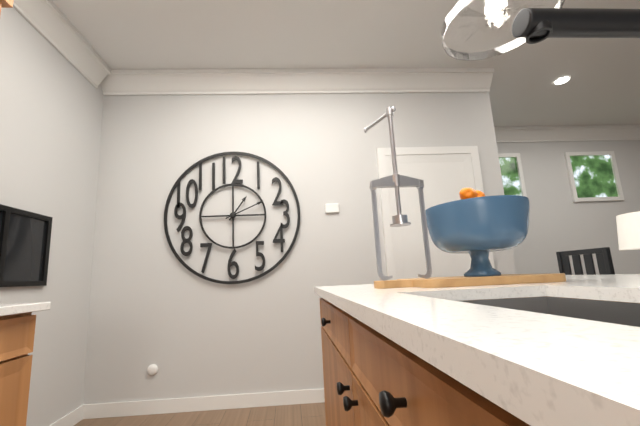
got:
h=1 m=11
